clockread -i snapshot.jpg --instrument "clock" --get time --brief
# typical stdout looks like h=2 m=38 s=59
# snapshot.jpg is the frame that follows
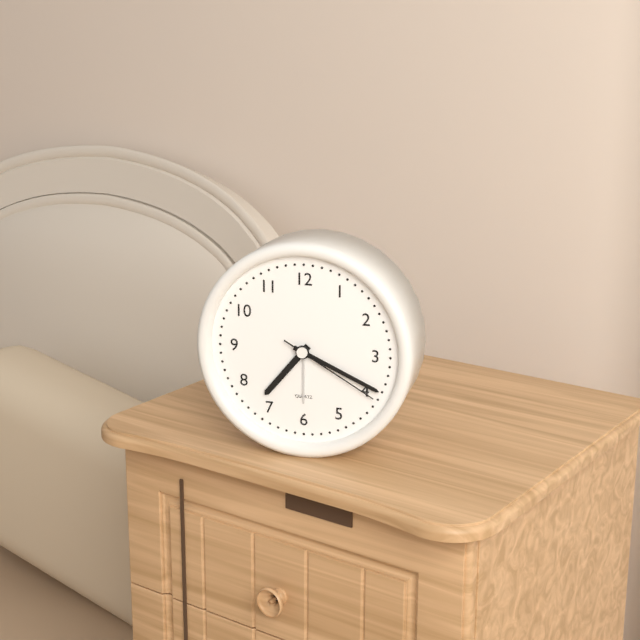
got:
h=7 m=19 s=20
